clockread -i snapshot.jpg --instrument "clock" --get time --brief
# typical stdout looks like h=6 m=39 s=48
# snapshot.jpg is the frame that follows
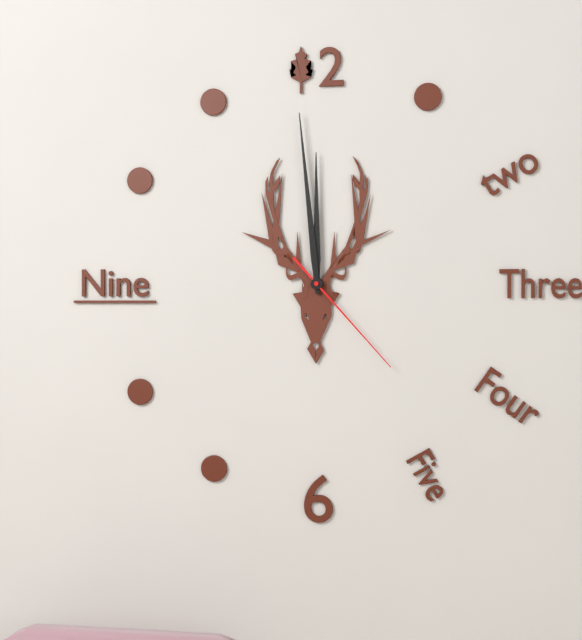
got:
h=11 m=59 s=23
